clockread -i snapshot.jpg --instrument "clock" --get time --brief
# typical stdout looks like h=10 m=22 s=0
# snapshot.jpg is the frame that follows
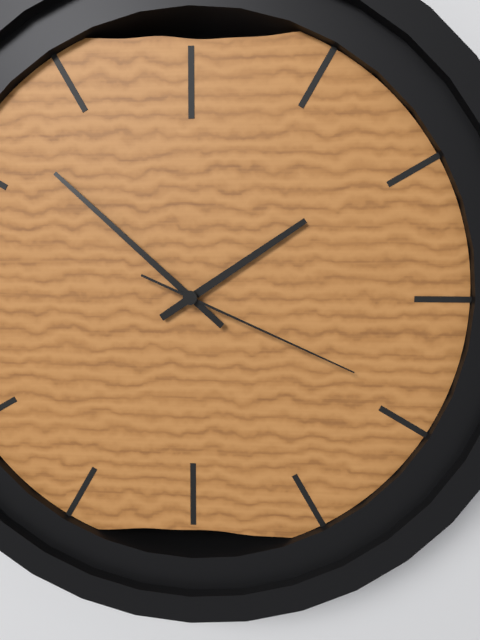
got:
h=1 m=52 s=19
